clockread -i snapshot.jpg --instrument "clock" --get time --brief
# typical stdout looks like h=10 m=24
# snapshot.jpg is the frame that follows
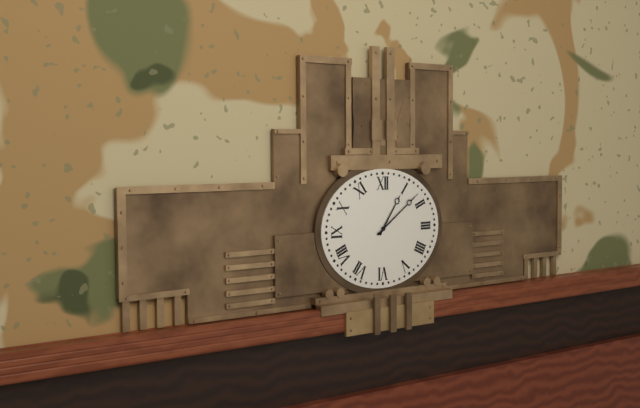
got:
h=1 m=9
